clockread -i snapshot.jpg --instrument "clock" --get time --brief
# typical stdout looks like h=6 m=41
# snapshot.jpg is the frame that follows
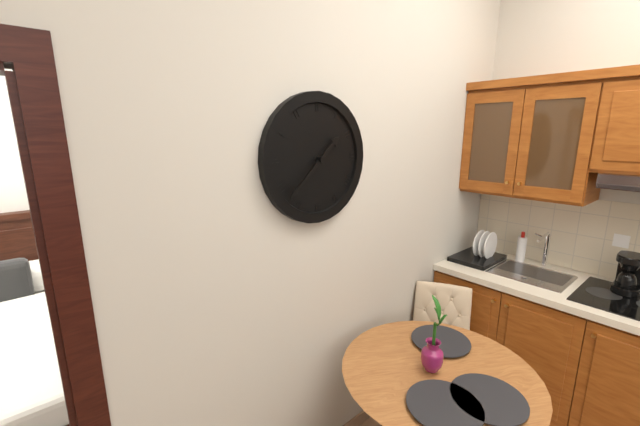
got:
h=1 m=38
